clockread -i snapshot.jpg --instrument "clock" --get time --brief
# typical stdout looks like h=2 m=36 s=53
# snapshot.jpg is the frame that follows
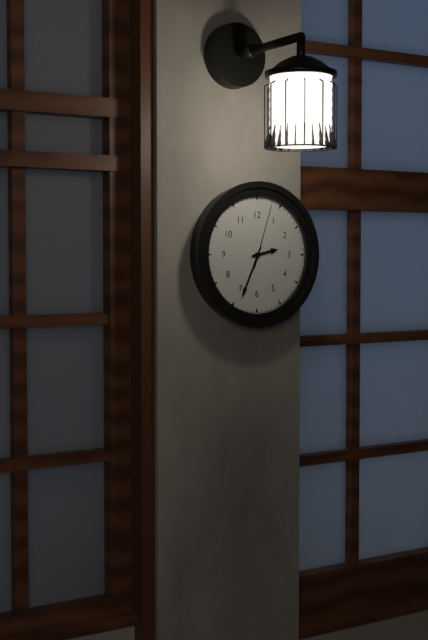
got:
h=2 m=34 s=3
